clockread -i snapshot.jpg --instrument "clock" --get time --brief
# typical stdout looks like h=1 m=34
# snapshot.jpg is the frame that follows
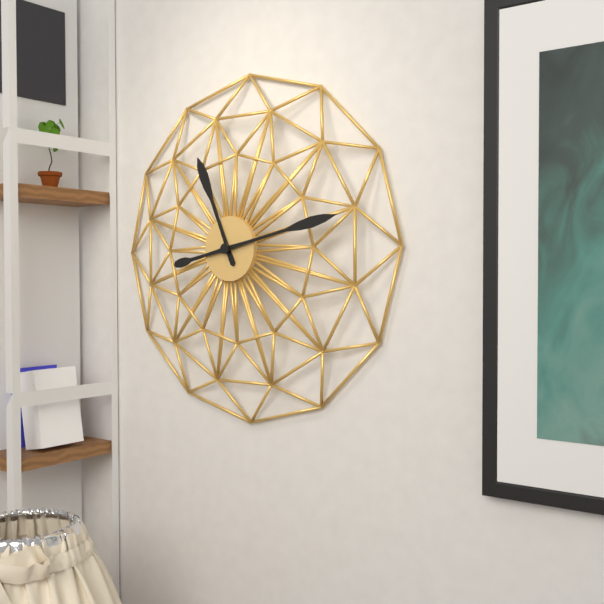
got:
h=11 m=13
